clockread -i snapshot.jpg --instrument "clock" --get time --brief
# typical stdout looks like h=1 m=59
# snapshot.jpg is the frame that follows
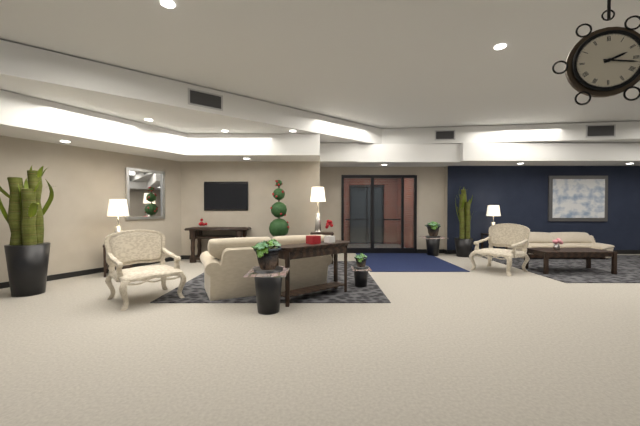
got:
h=2 m=17
